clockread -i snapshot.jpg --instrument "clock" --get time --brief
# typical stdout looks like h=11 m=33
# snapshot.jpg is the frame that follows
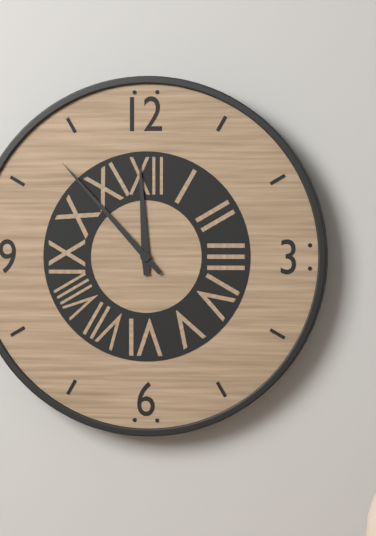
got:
h=11 m=53
